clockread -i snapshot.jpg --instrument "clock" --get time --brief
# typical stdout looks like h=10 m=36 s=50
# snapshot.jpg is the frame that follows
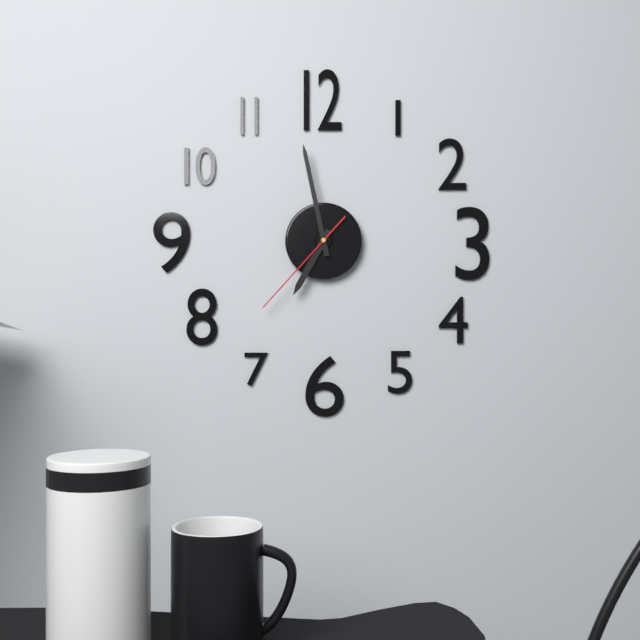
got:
h=6 m=58 s=37
